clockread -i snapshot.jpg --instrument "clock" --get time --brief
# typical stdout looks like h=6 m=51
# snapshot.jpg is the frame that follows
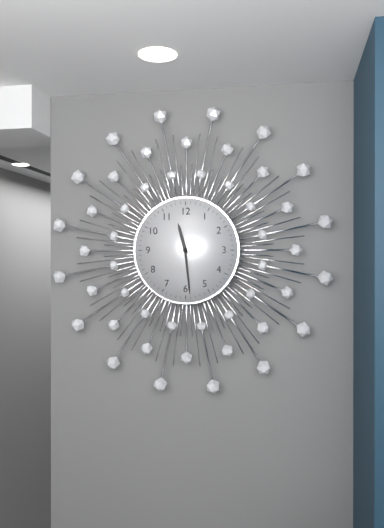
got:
h=11 m=29
